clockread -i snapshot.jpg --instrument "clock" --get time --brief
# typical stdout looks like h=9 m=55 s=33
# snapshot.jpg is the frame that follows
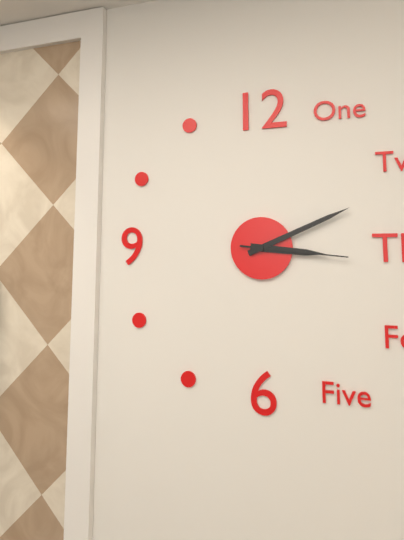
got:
h=3 m=11 s=16
